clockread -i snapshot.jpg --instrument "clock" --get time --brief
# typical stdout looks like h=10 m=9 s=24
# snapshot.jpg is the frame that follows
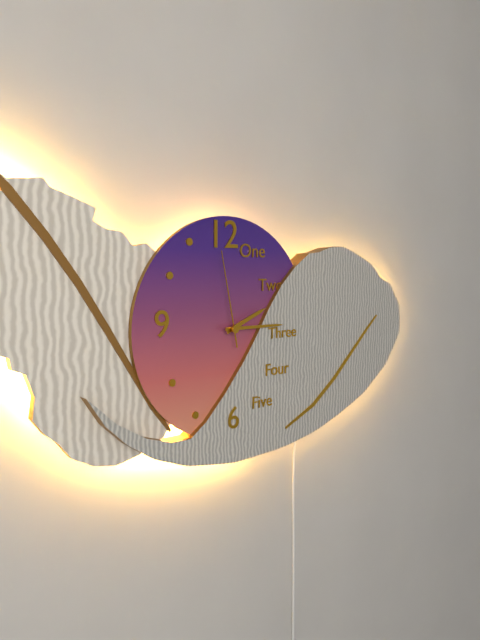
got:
h=2 m=15 s=58
